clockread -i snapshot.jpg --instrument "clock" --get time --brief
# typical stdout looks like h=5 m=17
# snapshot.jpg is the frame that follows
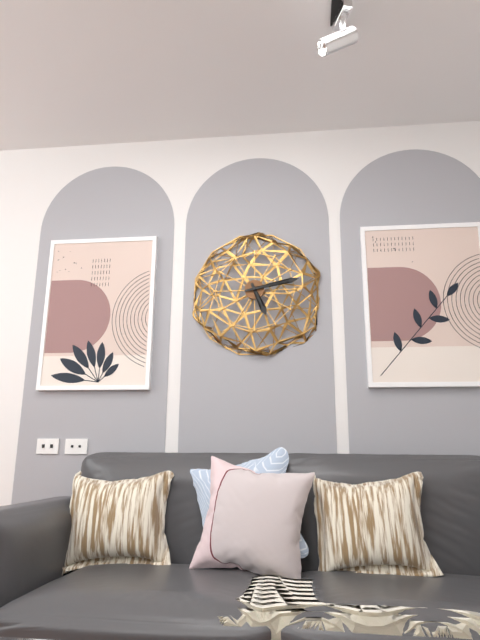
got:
h=5 m=13
